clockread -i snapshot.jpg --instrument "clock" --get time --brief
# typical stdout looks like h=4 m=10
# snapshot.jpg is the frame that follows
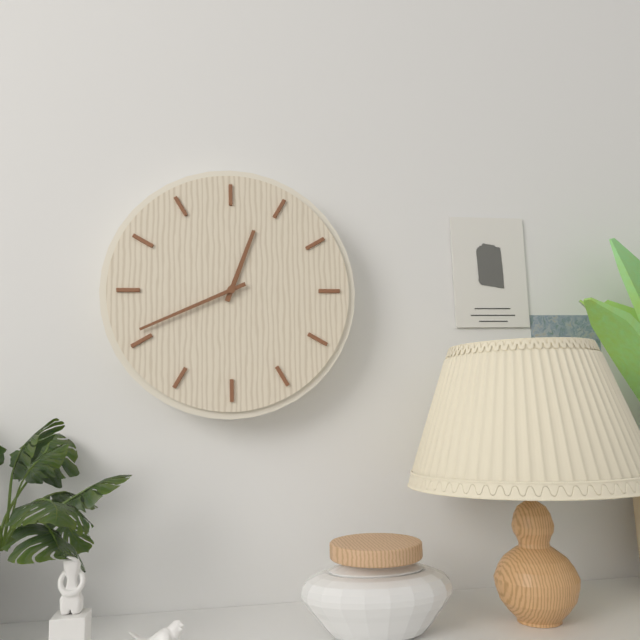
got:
h=12 m=41
